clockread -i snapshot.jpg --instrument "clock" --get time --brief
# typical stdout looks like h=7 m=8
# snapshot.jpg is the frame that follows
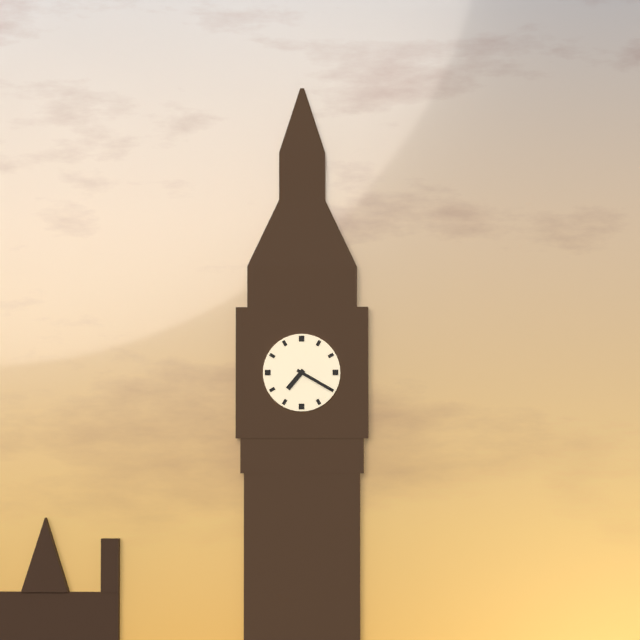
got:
h=7 m=20
